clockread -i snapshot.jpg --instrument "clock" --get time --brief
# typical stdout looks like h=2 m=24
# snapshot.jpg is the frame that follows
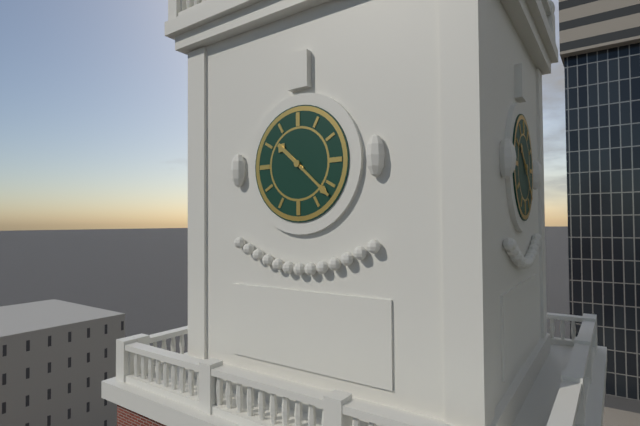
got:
h=10 m=22
